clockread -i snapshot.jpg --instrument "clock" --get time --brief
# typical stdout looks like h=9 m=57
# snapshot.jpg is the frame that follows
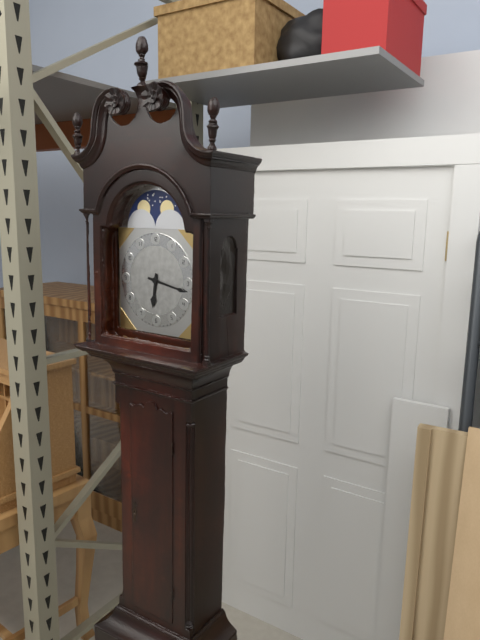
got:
h=6 m=17
